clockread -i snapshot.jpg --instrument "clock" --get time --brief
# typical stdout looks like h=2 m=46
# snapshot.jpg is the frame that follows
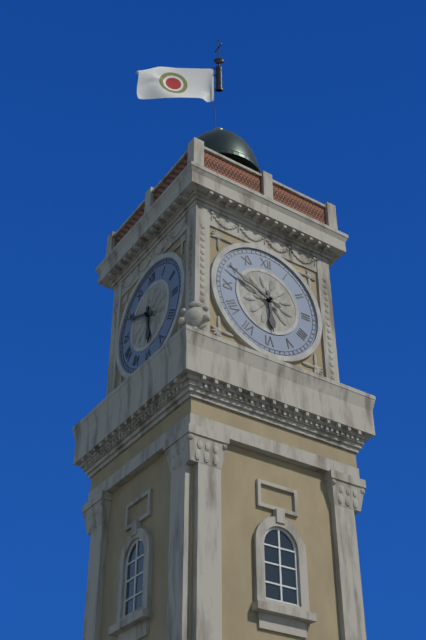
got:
h=5 m=49
